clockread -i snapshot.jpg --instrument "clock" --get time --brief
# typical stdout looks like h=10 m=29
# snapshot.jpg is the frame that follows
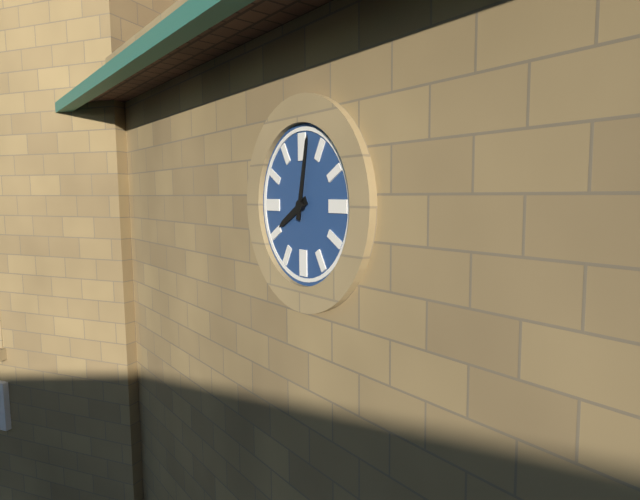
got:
h=8 m=2
